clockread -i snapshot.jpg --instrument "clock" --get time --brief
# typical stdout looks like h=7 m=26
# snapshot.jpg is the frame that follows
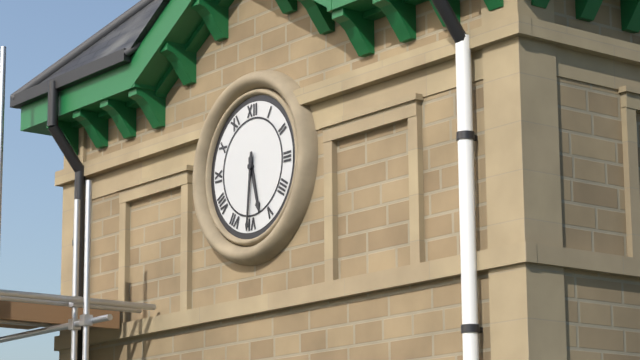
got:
h=5 m=31
